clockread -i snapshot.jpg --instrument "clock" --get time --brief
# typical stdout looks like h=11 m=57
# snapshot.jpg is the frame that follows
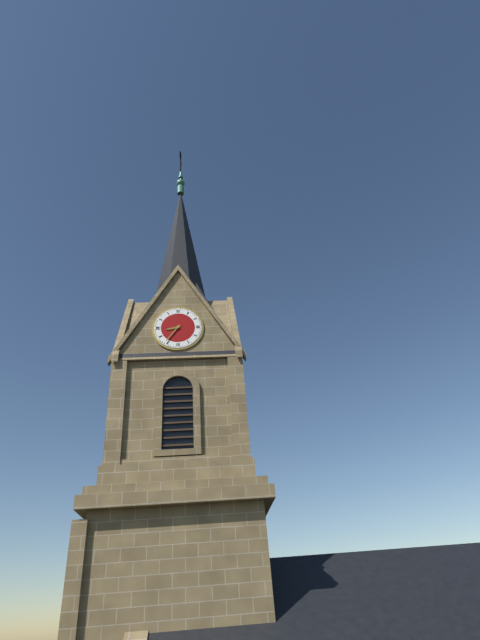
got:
h=8 m=36
